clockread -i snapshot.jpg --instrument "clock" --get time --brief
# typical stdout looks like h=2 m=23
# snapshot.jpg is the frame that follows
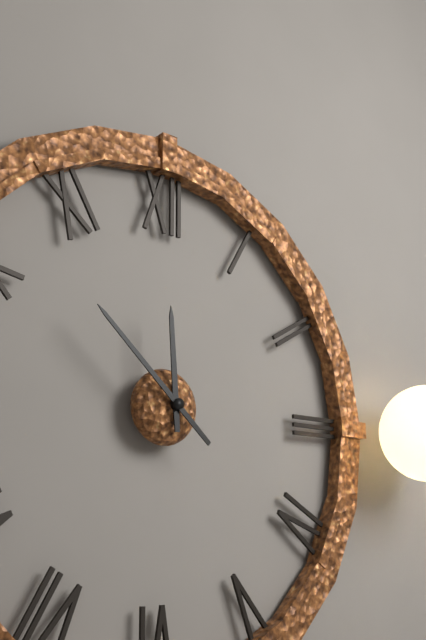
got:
h=11 m=52
